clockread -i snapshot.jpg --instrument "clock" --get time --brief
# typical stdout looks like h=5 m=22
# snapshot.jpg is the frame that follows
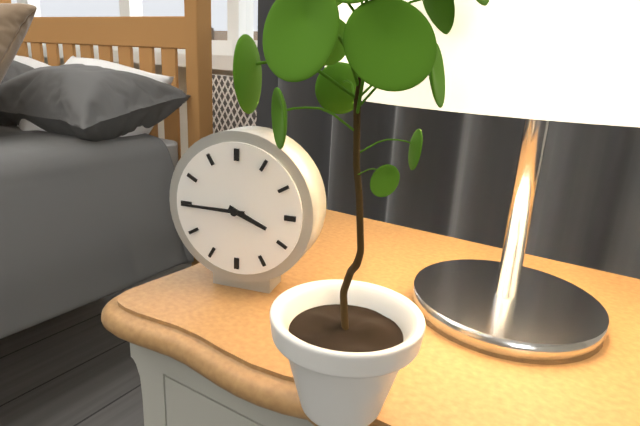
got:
h=3 m=45
